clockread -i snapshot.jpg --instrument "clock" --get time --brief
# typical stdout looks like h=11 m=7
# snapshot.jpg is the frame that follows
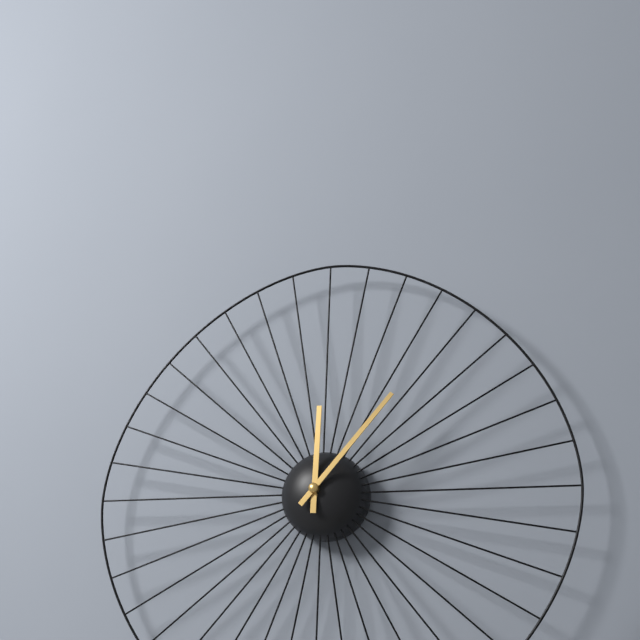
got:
h=12 m=7
